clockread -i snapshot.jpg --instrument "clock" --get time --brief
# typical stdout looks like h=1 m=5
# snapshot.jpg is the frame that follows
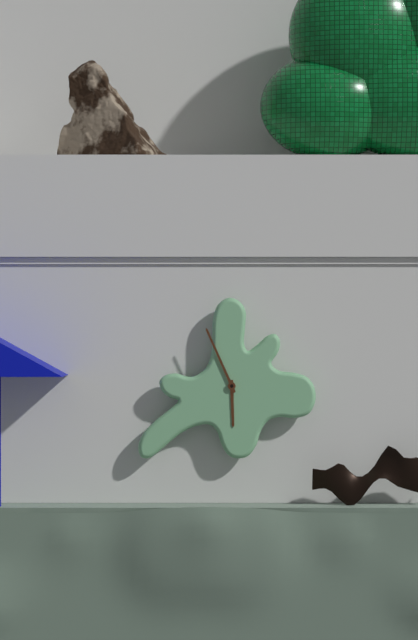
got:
h=5 m=56
